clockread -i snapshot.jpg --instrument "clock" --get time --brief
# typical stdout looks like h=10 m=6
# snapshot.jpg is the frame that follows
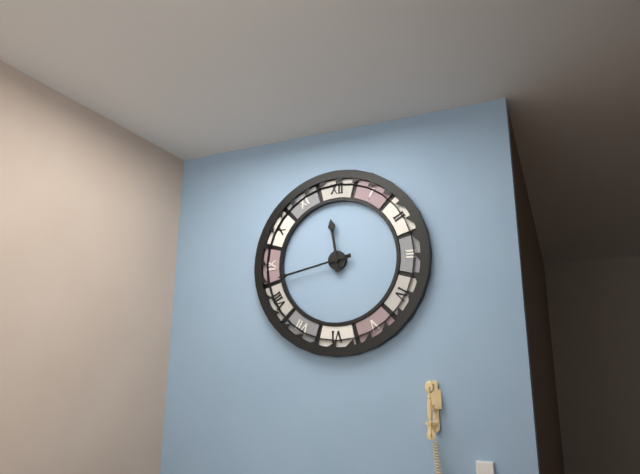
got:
h=11 m=43
